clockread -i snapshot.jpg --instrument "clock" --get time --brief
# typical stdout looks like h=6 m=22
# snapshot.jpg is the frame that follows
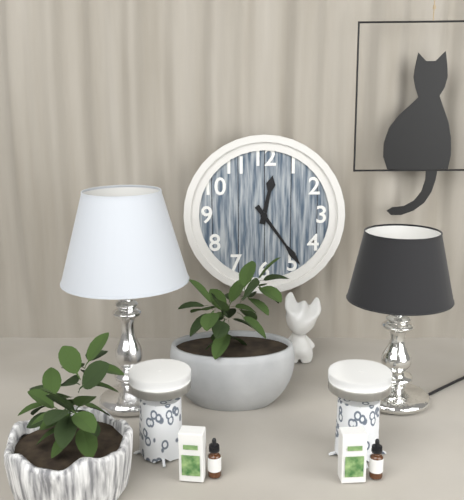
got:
h=12 m=24
